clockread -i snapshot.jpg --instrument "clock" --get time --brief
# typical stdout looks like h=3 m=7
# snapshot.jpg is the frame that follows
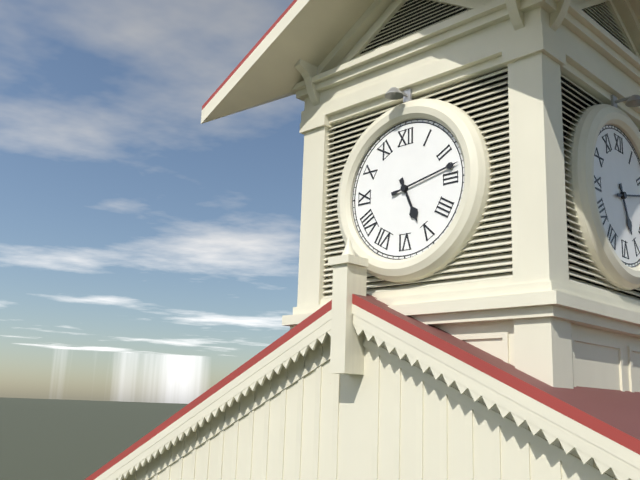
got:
h=5 m=13
